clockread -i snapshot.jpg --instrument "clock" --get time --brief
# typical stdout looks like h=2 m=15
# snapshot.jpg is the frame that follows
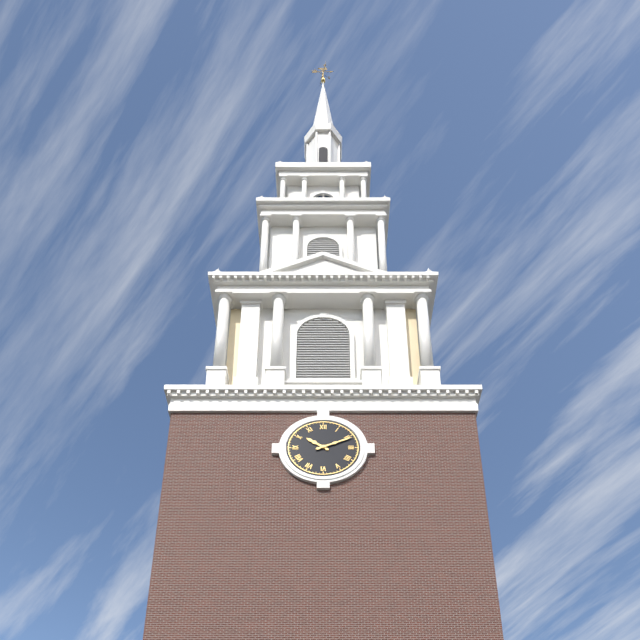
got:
h=10 m=11
